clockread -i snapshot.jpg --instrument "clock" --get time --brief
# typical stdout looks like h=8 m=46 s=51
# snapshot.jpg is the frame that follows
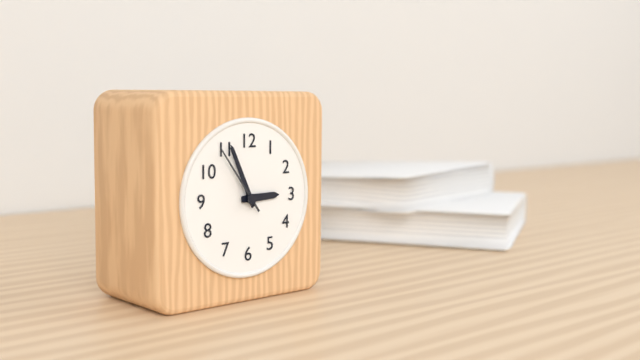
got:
h=2 m=56 s=54
